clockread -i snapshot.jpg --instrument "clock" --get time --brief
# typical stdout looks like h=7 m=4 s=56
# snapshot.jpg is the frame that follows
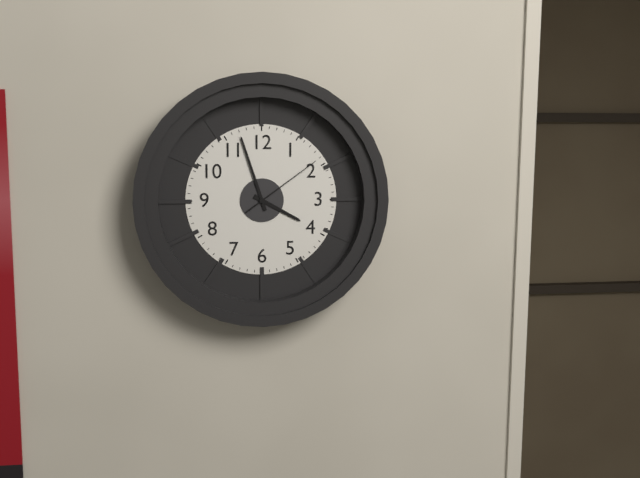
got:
h=3 m=57 s=9
